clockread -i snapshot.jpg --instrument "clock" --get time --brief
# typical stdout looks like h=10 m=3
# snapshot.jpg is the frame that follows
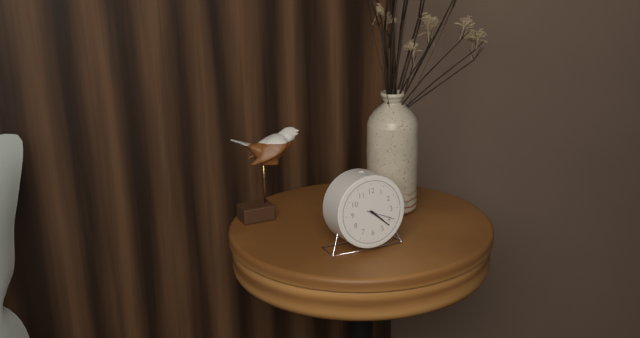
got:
h=4 m=22
